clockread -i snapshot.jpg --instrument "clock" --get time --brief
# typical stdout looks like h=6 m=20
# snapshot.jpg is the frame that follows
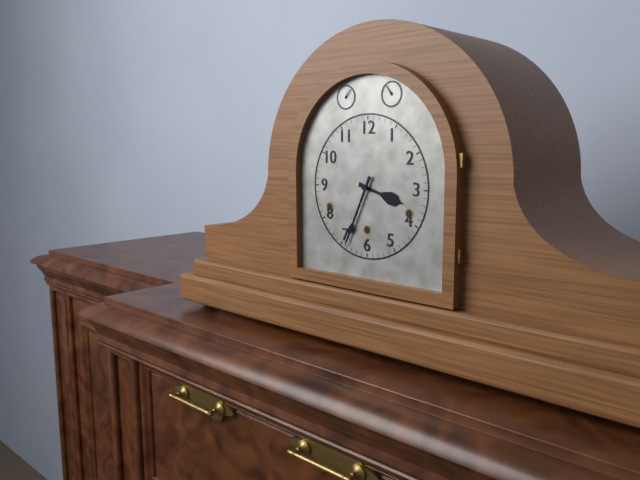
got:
h=3 m=34
